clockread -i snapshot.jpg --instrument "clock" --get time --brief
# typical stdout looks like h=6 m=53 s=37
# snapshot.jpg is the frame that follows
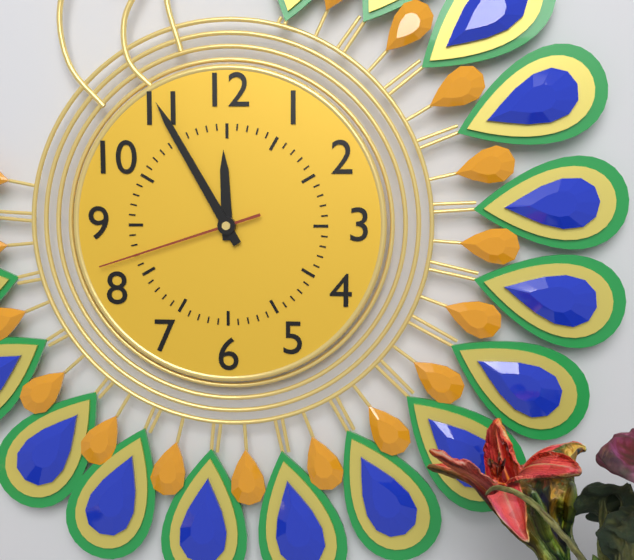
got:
h=11 m=55 s=42
